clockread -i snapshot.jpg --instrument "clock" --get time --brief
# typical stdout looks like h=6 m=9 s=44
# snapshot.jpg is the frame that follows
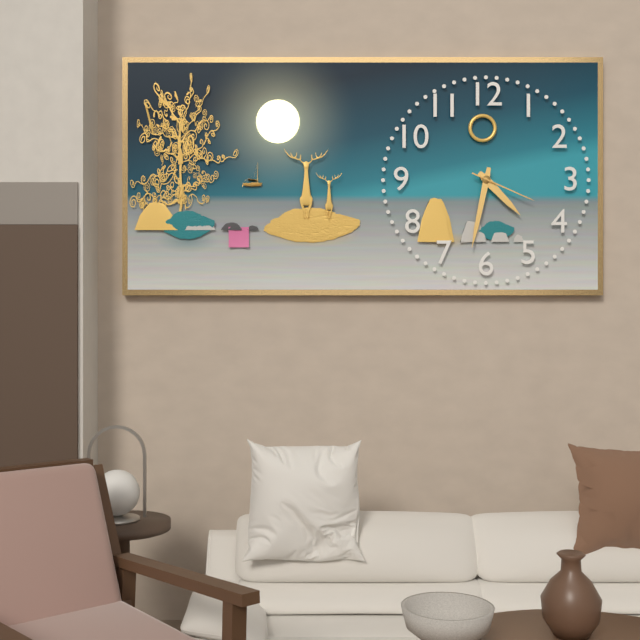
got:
h=4 m=32 s=19
